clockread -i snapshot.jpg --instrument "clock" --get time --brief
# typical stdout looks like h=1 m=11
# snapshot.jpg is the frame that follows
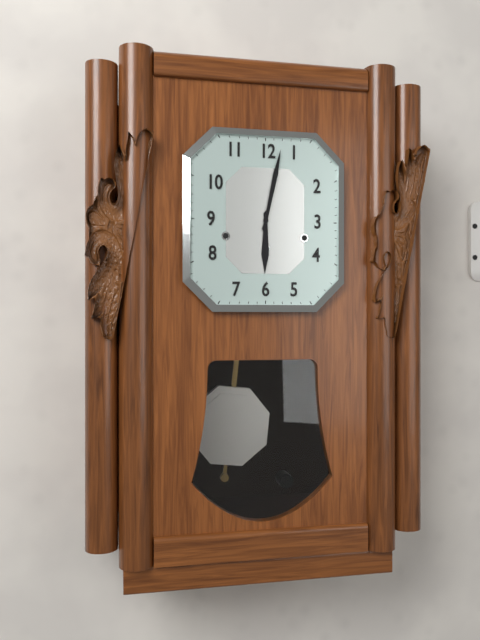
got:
h=6 m=2
